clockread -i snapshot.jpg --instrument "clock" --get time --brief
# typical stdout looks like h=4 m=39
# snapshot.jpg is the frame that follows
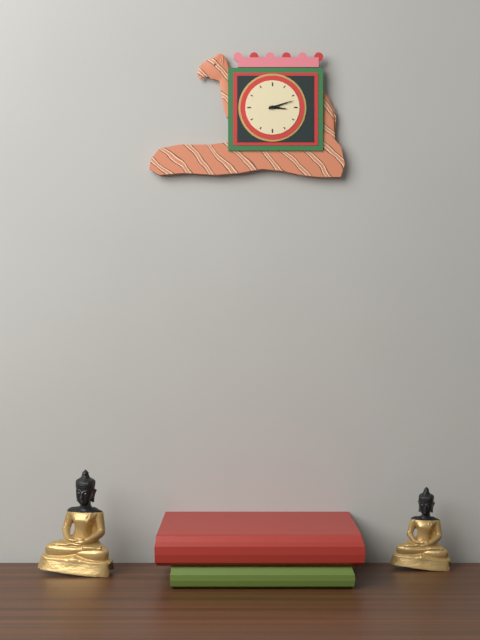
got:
h=3 m=12
